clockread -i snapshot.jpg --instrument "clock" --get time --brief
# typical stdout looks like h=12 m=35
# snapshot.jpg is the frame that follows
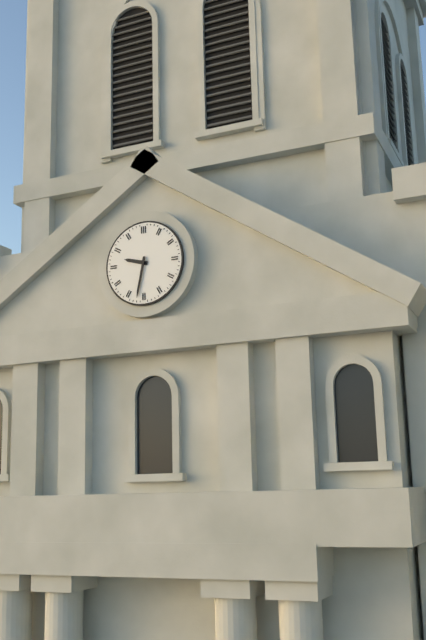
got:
h=9 m=32
